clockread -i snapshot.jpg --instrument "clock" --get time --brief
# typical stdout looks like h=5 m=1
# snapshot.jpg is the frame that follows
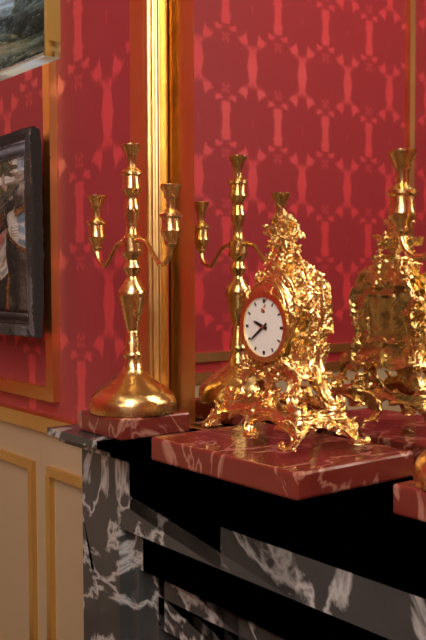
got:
h=9 m=39
